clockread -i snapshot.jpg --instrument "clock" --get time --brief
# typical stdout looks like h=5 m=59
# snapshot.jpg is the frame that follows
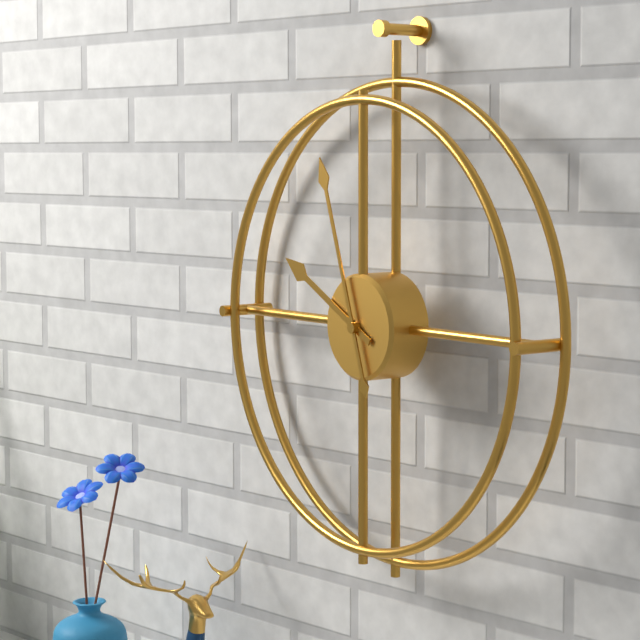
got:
h=9 m=57
